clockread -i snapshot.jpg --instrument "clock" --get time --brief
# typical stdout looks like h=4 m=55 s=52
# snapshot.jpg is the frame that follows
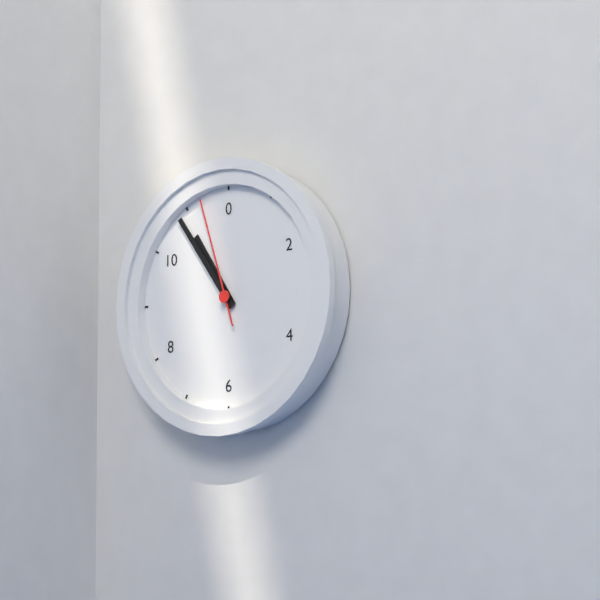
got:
h=10 m=54 s=57
